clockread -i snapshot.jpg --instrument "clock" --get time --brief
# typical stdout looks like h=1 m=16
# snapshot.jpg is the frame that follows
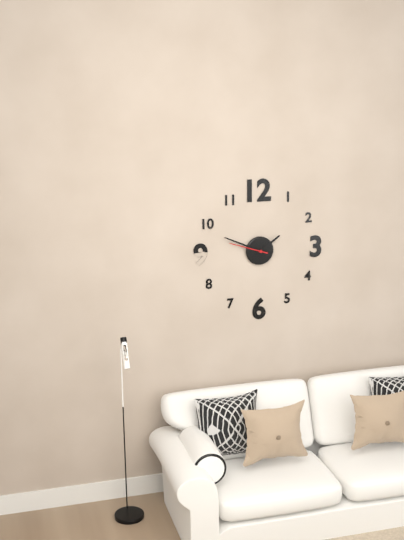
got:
h=1 m=49
